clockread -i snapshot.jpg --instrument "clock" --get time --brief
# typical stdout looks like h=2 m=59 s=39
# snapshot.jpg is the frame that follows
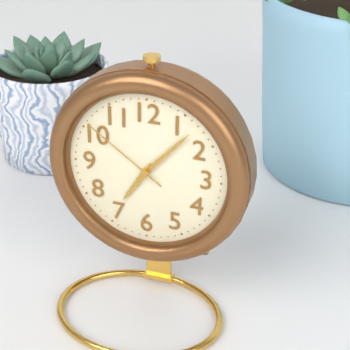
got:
h=7 m=7 s=51
